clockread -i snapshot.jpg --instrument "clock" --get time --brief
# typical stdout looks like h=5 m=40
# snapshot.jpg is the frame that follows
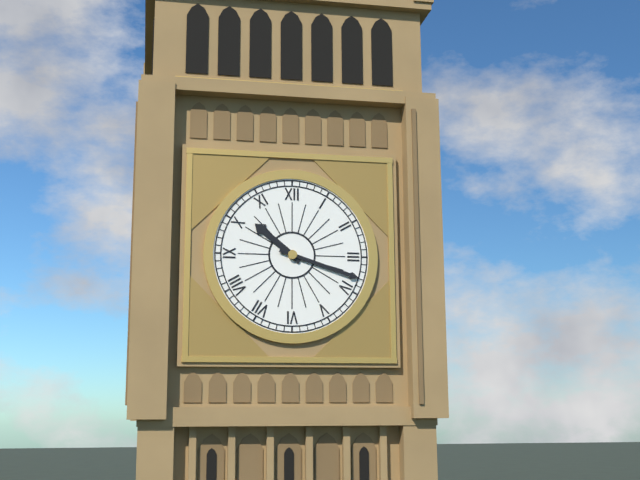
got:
h=10 m=18
